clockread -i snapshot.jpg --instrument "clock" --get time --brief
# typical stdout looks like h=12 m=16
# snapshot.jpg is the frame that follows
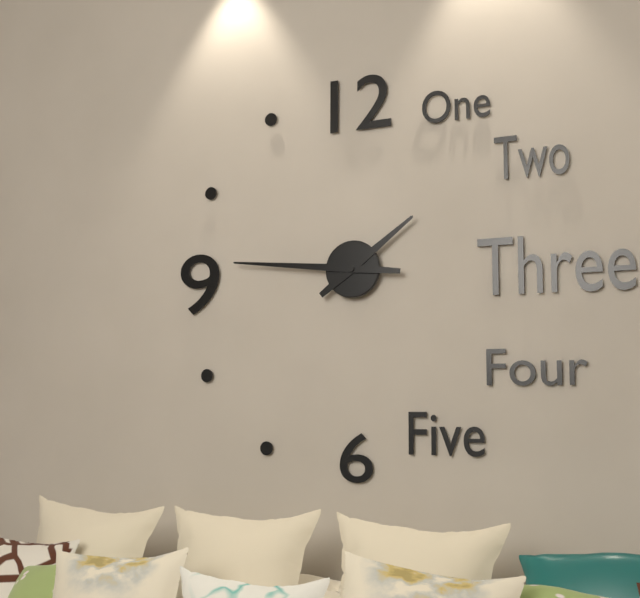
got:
h=1 m=46
